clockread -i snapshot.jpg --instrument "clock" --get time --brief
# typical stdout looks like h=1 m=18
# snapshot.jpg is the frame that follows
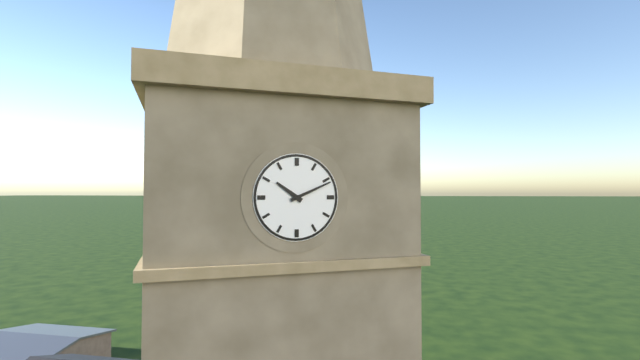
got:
h=10 m=11
